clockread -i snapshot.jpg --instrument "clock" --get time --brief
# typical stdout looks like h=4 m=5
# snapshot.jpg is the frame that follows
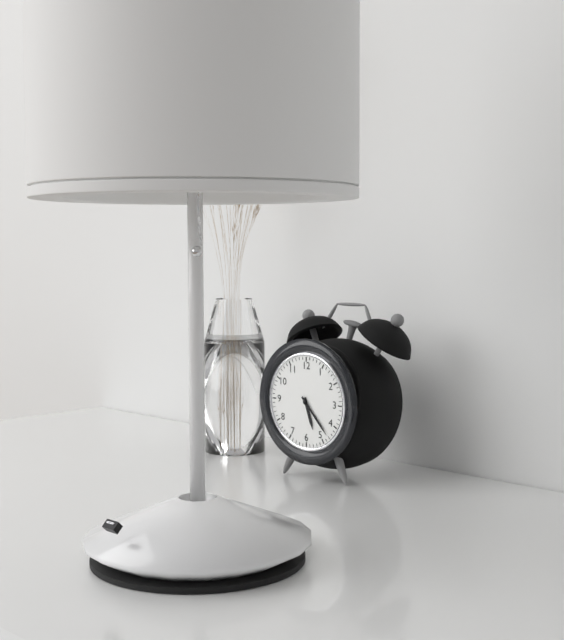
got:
h=5 m=23
